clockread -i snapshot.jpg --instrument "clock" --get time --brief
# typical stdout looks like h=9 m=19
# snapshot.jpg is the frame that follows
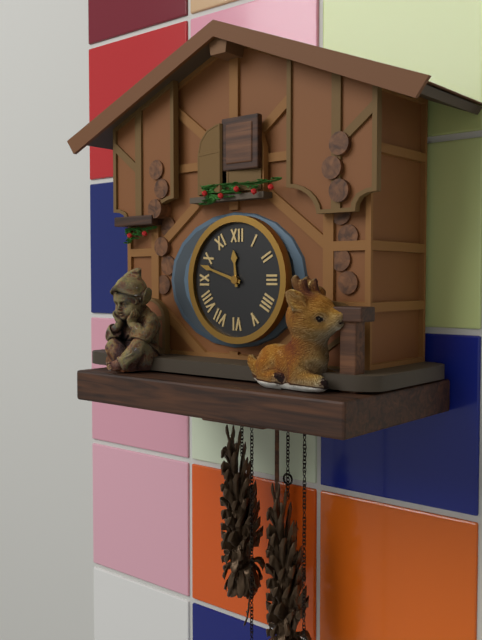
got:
h=11 m=48
